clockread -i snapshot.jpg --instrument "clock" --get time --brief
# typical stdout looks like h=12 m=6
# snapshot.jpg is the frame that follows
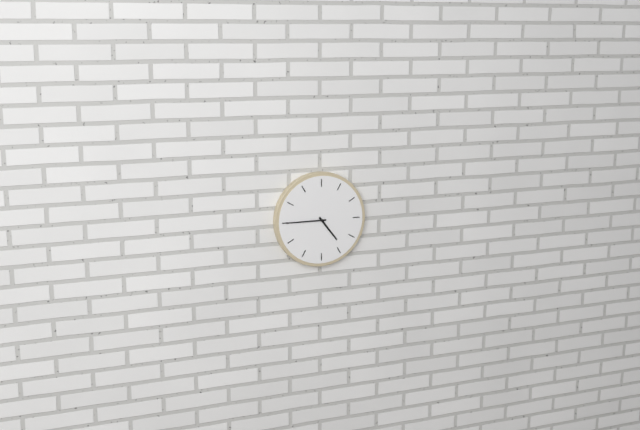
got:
h=4 m=45
